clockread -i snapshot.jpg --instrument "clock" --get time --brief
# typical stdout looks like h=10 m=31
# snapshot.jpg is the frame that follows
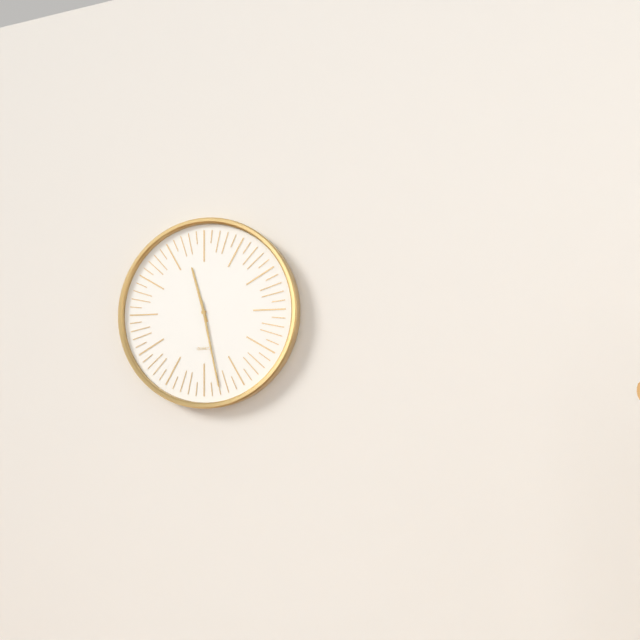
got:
h=11 m=28
